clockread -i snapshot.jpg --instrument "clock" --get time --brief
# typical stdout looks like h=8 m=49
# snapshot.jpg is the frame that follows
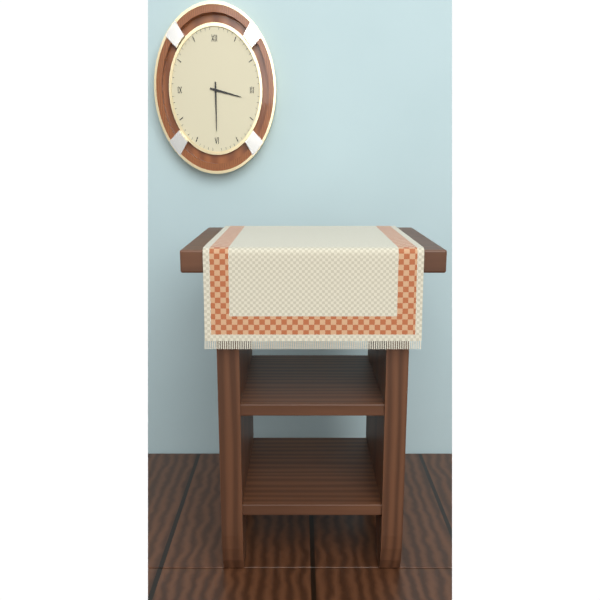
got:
h=3 m=30
